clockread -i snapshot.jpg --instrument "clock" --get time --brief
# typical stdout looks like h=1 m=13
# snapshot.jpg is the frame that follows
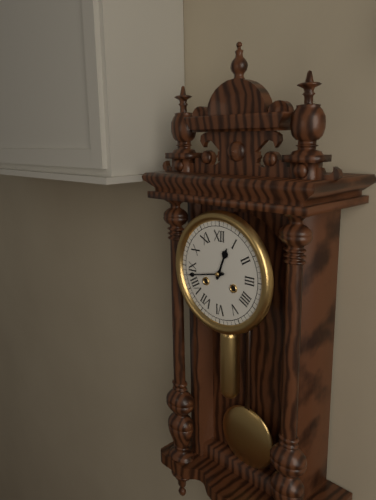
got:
h=12 m=43
